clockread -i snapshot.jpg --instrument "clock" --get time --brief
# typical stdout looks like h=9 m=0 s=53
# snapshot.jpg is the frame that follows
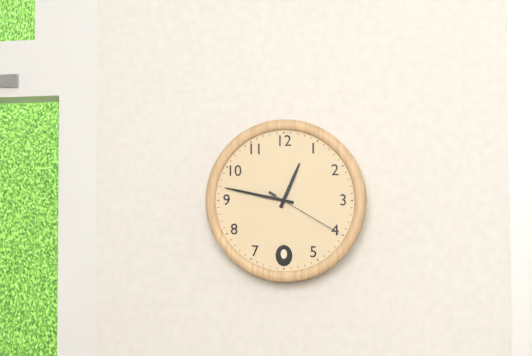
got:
h=12 m=47 s=20
